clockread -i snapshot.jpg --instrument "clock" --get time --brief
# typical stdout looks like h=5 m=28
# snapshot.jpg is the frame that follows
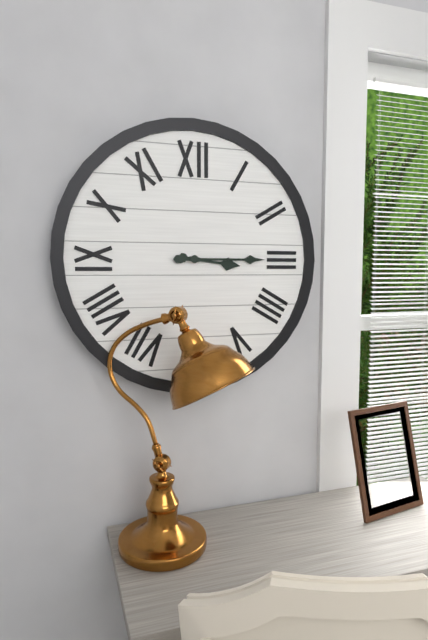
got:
h=3 m=15
